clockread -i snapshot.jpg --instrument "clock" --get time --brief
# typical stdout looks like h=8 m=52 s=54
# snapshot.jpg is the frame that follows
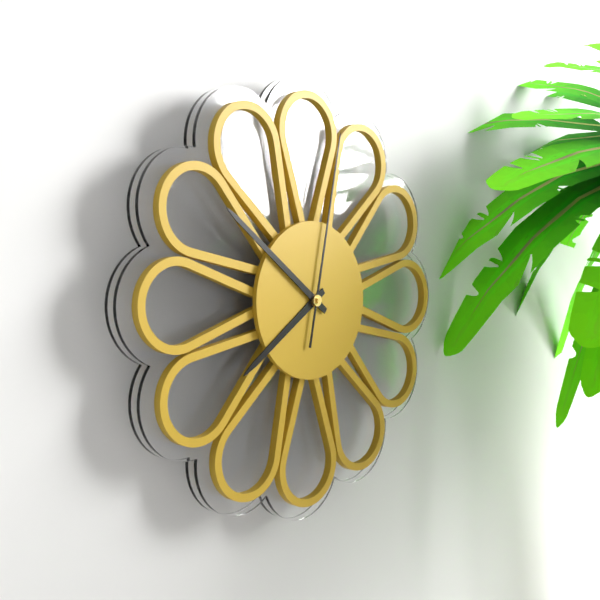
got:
h=7 m=51 s=2
